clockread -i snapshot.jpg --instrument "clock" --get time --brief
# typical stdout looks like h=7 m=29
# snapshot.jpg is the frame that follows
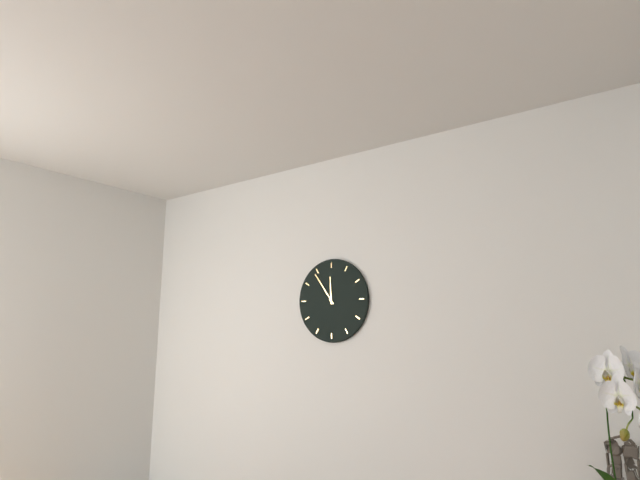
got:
h=11 m=54
